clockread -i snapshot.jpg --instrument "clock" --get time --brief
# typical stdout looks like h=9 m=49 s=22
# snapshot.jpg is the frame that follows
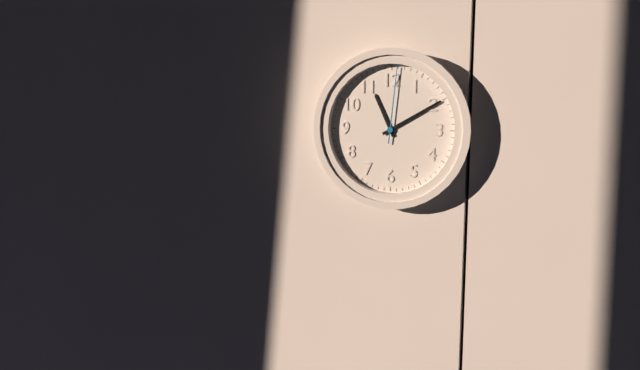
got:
h=11 m=10 s=1
